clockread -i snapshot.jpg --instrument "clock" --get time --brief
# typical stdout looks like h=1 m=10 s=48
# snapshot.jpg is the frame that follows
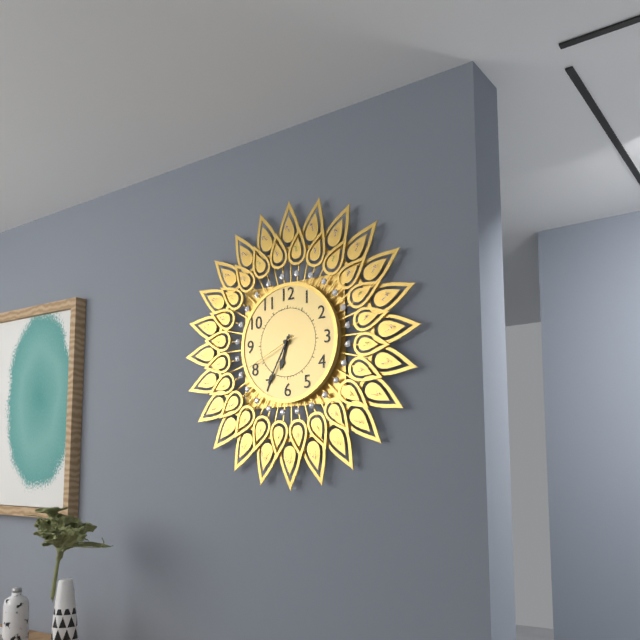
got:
h=6 m=35 s=41
